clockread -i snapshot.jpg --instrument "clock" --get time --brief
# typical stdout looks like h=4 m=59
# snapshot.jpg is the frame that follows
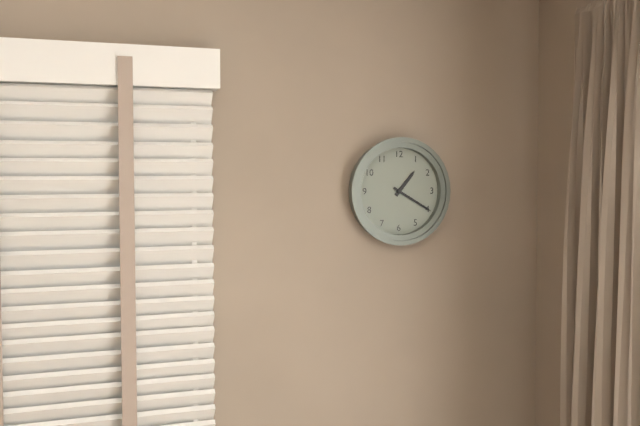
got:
h=1 m=20
